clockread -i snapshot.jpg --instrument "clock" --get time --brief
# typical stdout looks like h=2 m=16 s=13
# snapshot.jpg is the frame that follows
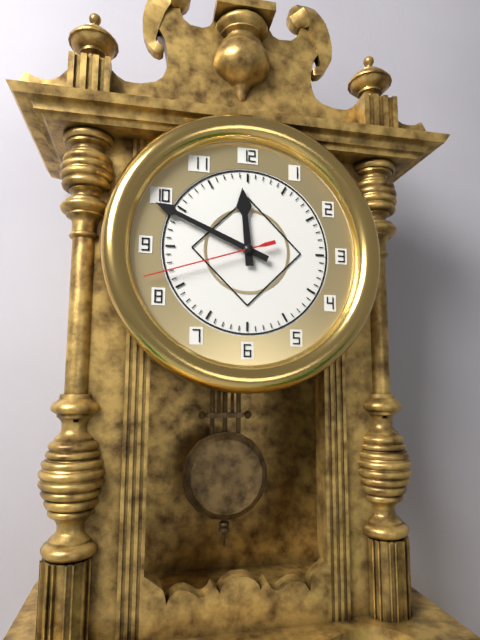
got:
h=11 m=49 s=42
